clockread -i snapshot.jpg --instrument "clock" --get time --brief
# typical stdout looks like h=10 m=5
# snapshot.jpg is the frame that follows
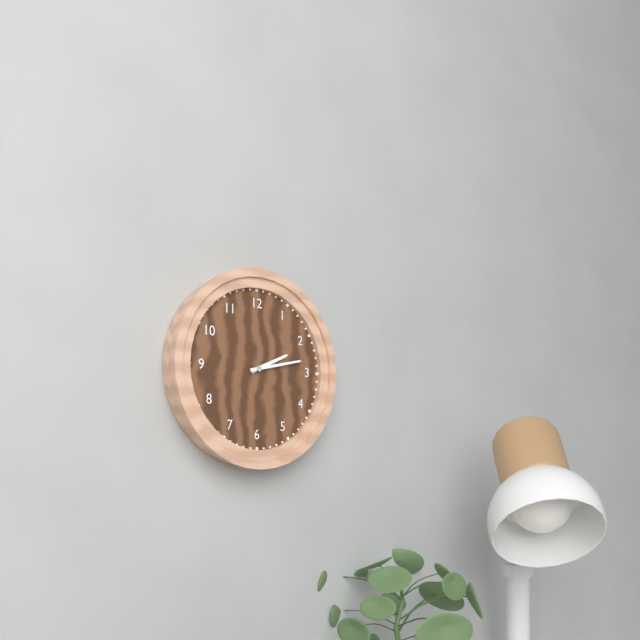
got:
h=2 m=13
